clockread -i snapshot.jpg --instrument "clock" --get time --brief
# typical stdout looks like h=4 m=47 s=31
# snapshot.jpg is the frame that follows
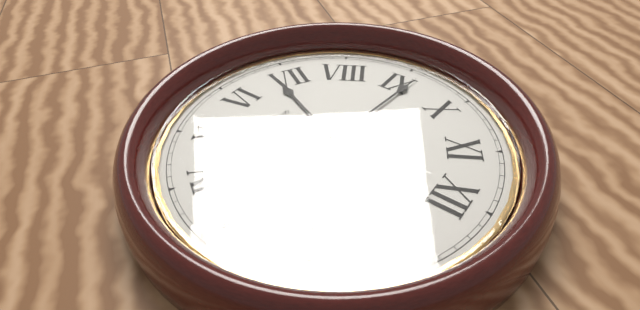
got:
h=6 m=46 s=59
